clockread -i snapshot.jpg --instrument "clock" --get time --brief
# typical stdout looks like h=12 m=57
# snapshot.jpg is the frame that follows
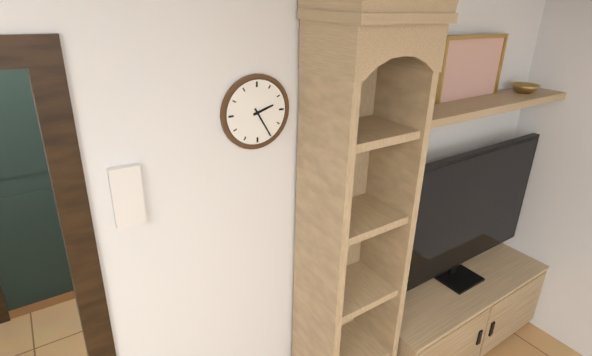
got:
h=2 m=25
